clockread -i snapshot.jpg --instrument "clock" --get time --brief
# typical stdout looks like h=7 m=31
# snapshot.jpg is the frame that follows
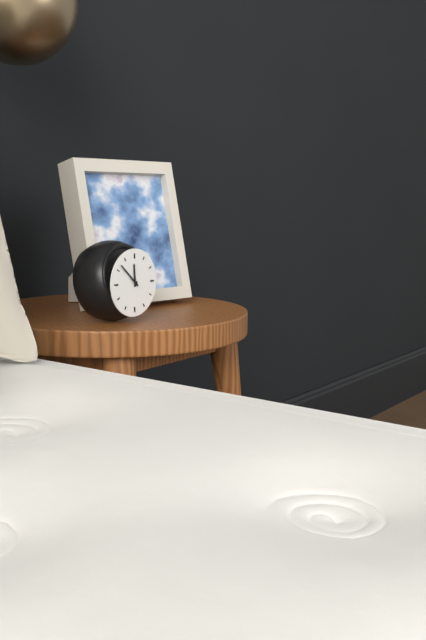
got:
h=11 m=52
